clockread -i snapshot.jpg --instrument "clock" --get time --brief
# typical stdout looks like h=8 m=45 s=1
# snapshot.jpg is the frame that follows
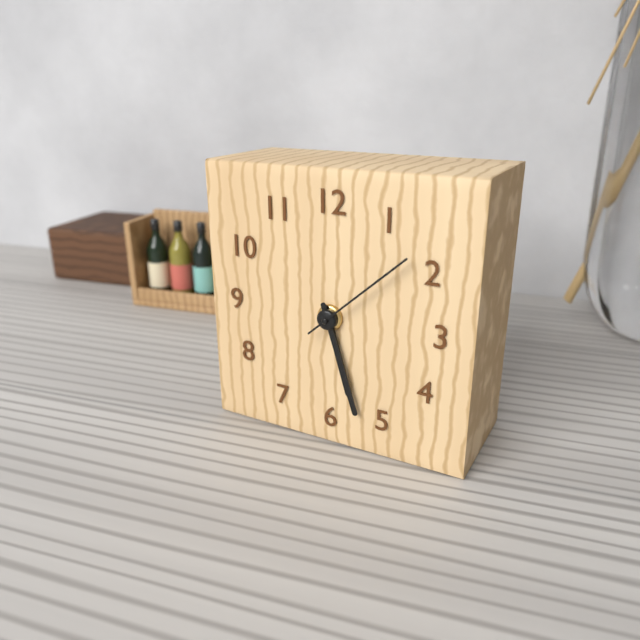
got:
h=5 m=27 s=8
